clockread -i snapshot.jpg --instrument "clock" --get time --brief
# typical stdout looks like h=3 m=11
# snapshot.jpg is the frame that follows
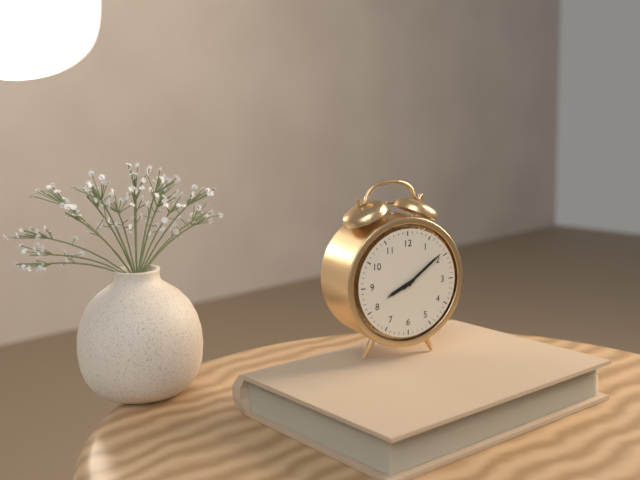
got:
h=8 m=9
